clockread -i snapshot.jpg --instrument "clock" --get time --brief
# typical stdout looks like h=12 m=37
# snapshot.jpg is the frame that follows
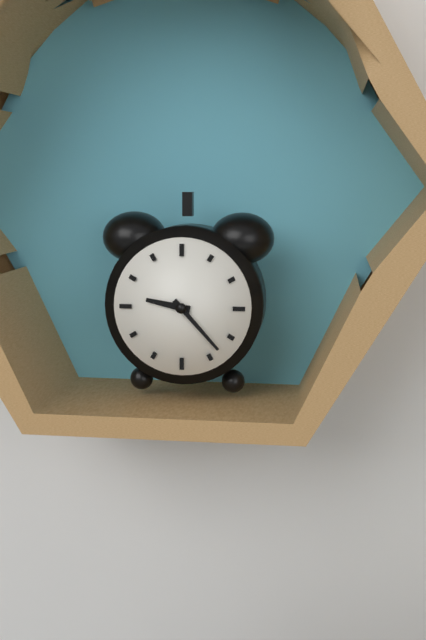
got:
h=9 m=23
